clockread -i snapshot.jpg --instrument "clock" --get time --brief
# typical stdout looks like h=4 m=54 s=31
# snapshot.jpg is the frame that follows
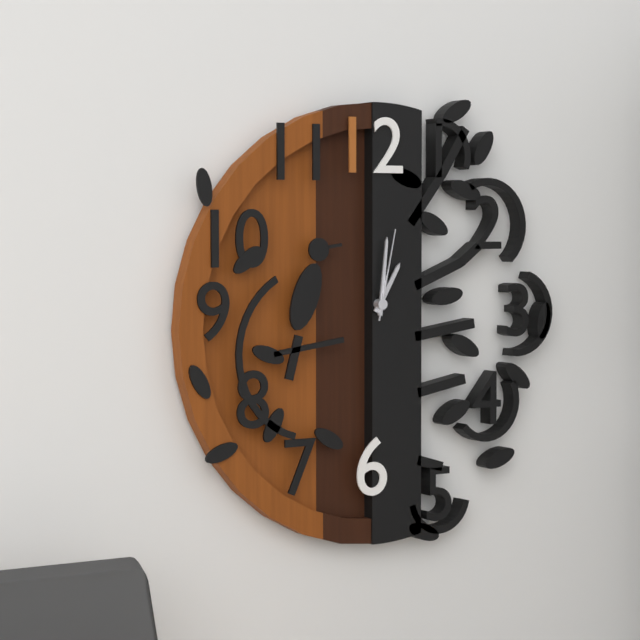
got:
h=1 m=1 s=2
